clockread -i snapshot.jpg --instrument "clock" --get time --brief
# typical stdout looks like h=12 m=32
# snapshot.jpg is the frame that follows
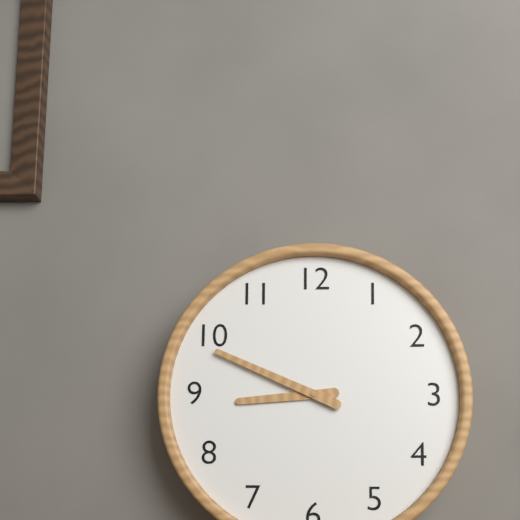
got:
h=8 m=49
